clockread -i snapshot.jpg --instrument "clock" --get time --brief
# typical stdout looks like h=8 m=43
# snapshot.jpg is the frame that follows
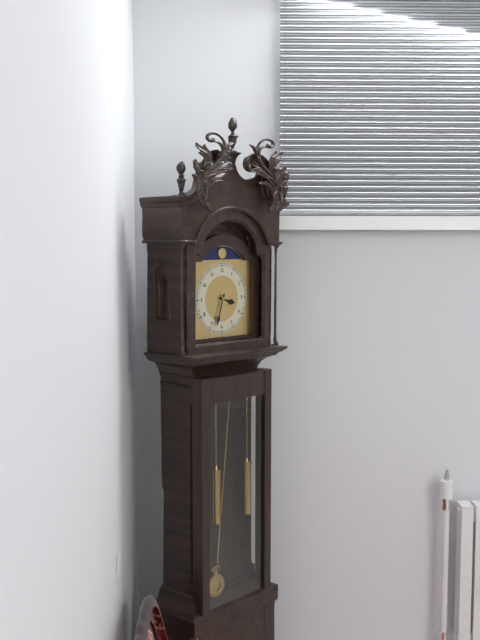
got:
h=3 m=33
